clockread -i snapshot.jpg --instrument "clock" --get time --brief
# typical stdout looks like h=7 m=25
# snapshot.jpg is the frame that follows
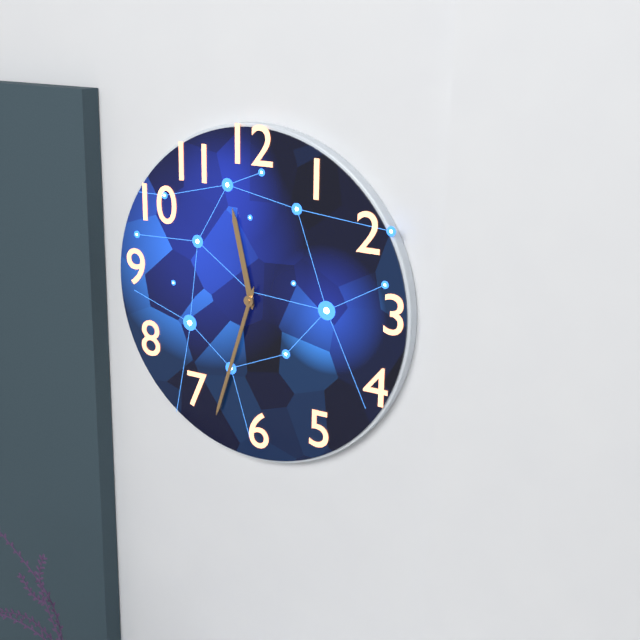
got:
h=11 m=33
